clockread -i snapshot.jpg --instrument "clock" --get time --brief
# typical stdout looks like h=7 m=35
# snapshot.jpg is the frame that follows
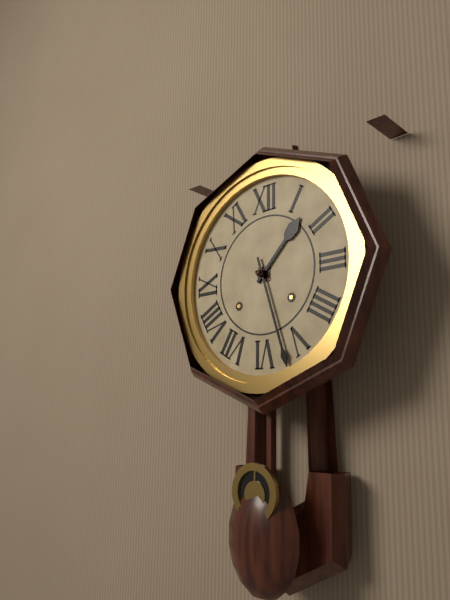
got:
h=1 m=27
